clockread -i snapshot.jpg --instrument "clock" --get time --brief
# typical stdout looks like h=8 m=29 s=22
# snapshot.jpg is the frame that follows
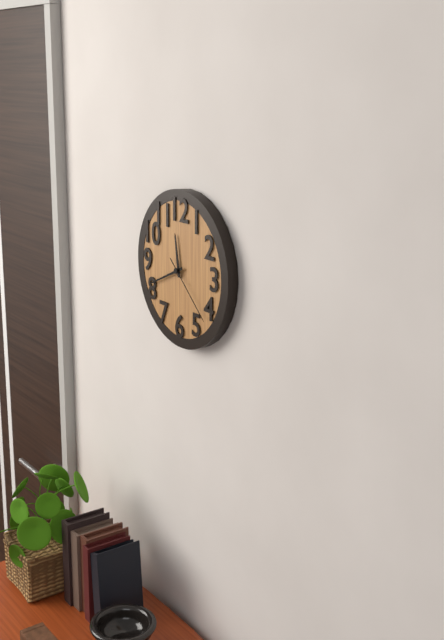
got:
h=11 m=41 s=22
